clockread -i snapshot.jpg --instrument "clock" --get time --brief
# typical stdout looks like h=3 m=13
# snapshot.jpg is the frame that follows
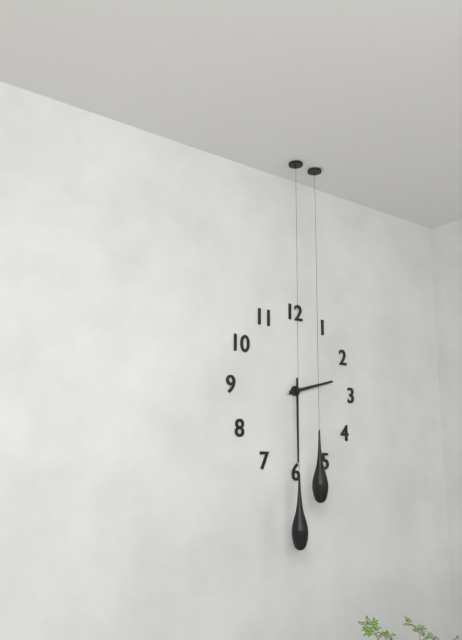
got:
h=2 m=30
